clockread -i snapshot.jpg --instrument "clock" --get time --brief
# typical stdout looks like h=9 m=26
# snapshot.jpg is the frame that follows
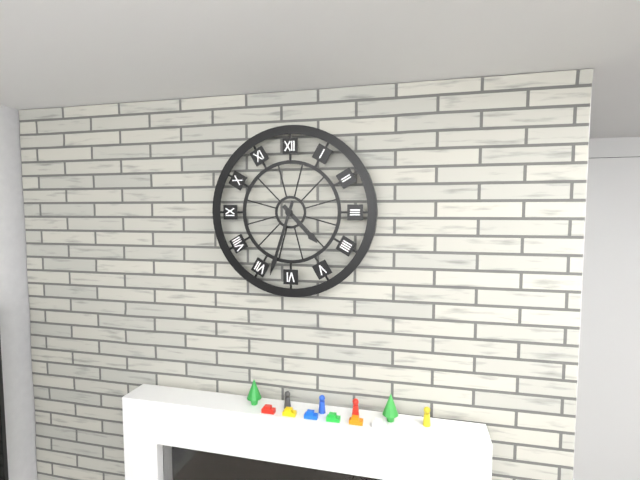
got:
h=4 m=33
